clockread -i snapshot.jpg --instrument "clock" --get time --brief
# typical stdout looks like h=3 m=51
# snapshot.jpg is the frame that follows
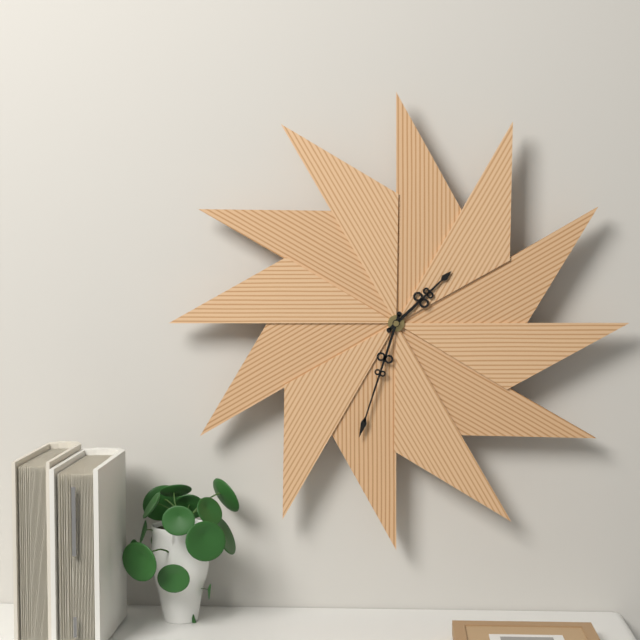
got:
h=1 m=33
